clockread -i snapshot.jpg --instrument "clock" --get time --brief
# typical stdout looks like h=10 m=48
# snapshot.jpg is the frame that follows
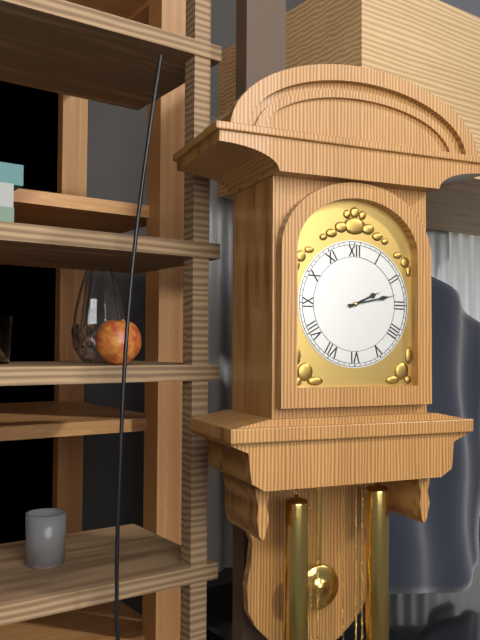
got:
h=2 m=13
